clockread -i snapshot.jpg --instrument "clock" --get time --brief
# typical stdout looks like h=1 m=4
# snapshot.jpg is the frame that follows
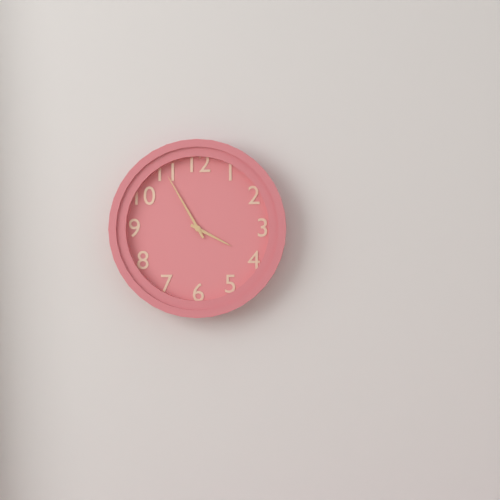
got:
h=3 m=55
